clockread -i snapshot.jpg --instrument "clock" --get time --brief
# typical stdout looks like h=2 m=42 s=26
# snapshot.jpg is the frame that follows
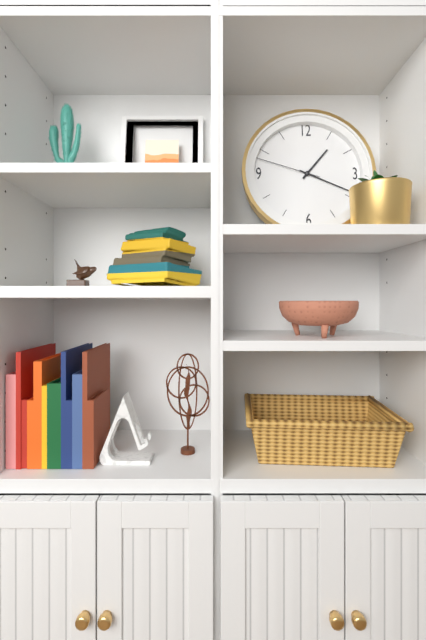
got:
h=1 m=19 s=48
